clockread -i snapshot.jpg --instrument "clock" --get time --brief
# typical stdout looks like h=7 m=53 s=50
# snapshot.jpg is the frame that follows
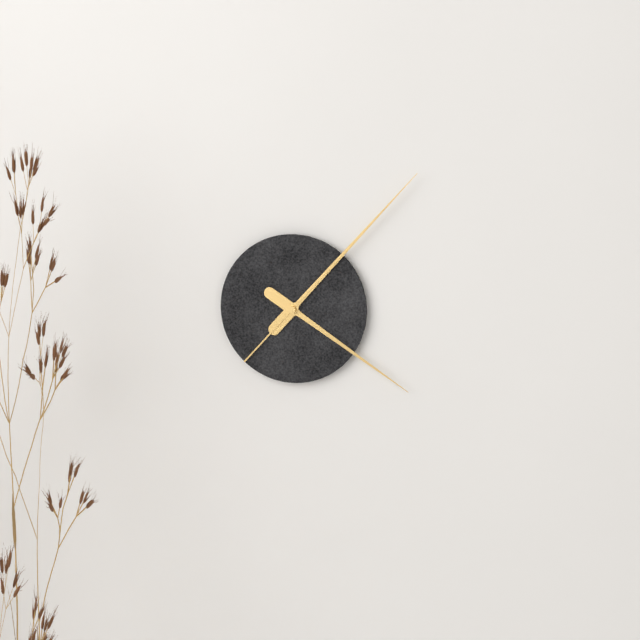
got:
h=4 m=7 s=7
